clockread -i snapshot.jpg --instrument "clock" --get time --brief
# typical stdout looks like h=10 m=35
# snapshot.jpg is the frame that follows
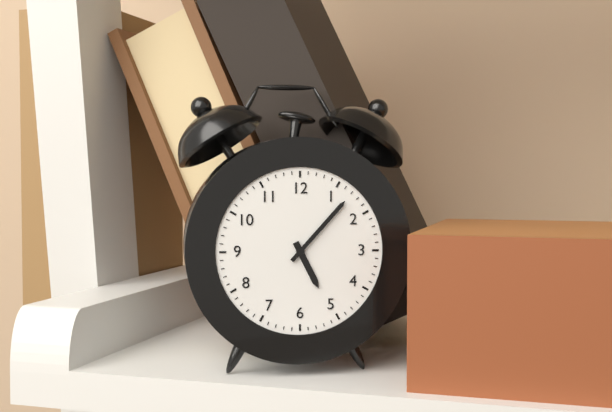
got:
h=5 m=7
